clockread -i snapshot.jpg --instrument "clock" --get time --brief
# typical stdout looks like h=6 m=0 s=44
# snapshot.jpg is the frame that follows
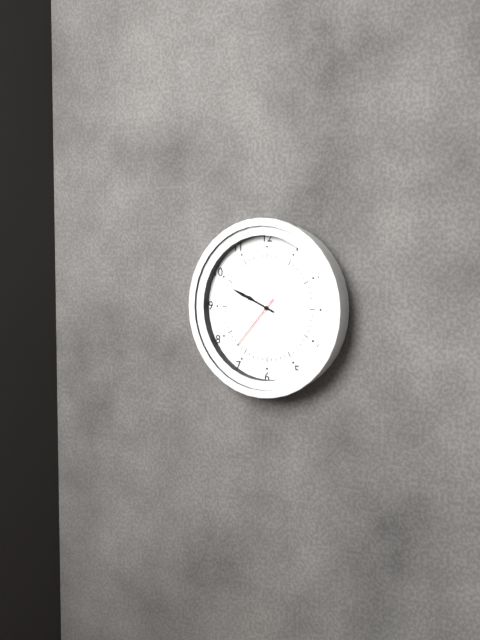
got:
h=9 m=49 s=37
